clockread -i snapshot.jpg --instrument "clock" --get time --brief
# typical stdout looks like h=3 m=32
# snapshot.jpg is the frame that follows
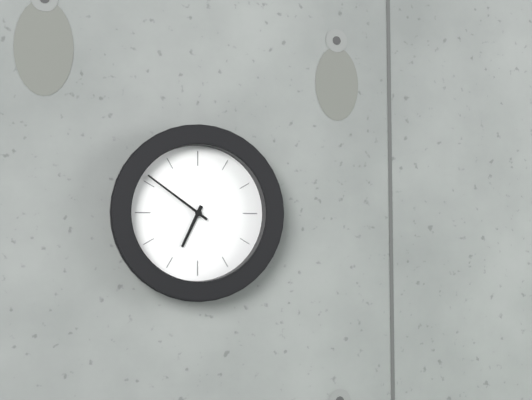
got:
h=6 m=51
